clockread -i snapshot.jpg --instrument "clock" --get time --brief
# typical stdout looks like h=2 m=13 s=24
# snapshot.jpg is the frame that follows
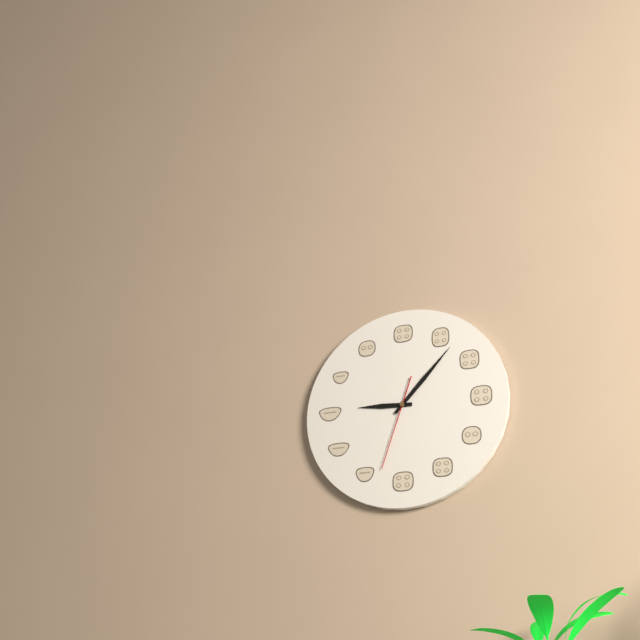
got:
h=9 m=7 s=33
